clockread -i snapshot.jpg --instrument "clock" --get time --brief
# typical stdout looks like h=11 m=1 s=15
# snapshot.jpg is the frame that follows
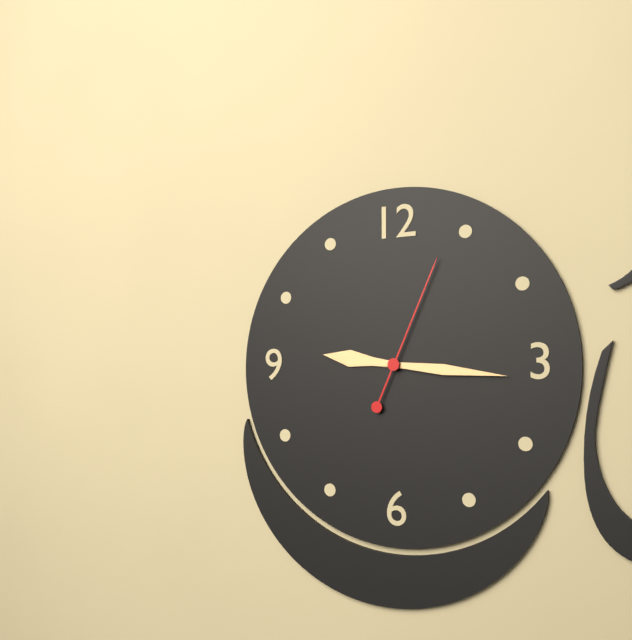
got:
h=9 m=16 s=4
